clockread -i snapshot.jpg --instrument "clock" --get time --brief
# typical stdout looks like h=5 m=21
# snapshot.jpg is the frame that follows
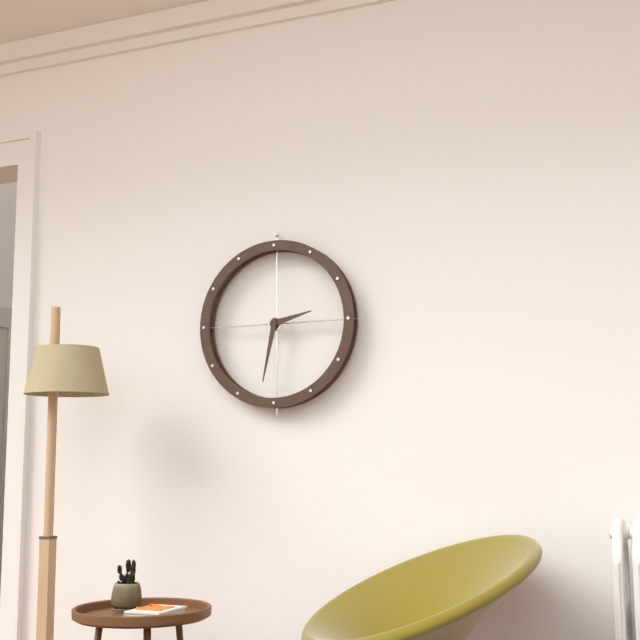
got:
h=2 m=32
